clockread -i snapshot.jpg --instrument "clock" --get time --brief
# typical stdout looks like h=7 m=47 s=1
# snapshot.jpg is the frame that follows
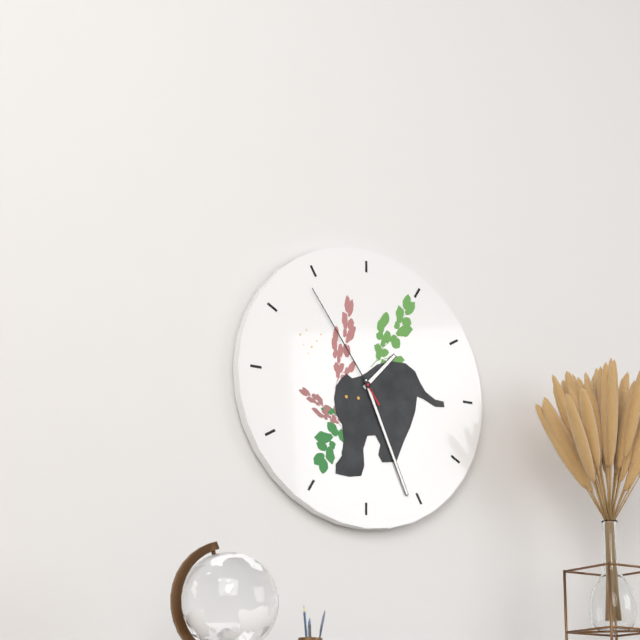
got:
h=1 m=26 s=54
